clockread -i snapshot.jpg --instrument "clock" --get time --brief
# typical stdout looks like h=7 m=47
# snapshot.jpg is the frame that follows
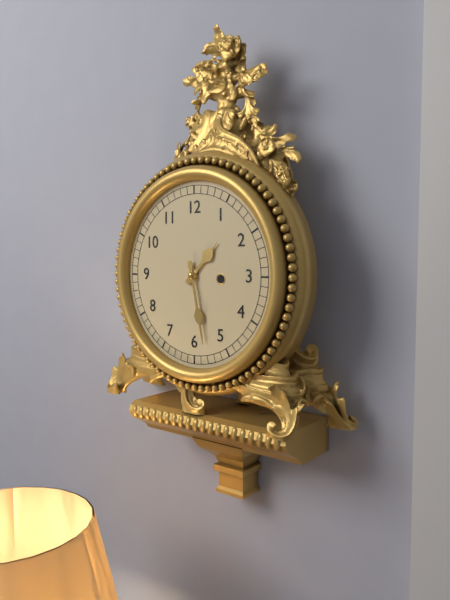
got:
h=1 m=28
